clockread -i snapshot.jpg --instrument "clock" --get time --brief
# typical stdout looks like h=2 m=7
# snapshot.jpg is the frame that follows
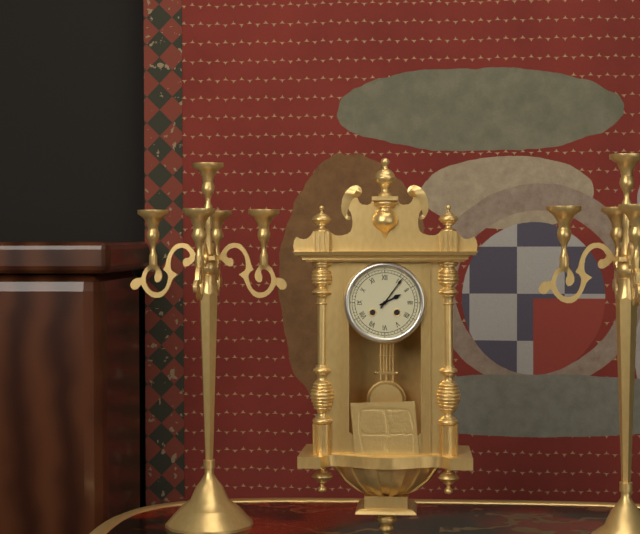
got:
h=2 m=6
